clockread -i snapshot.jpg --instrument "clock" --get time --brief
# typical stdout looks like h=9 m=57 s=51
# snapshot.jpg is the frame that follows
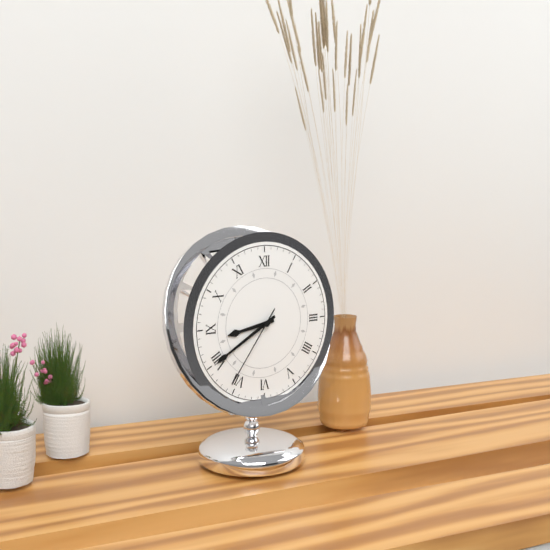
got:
h=8 m=40 s=36
